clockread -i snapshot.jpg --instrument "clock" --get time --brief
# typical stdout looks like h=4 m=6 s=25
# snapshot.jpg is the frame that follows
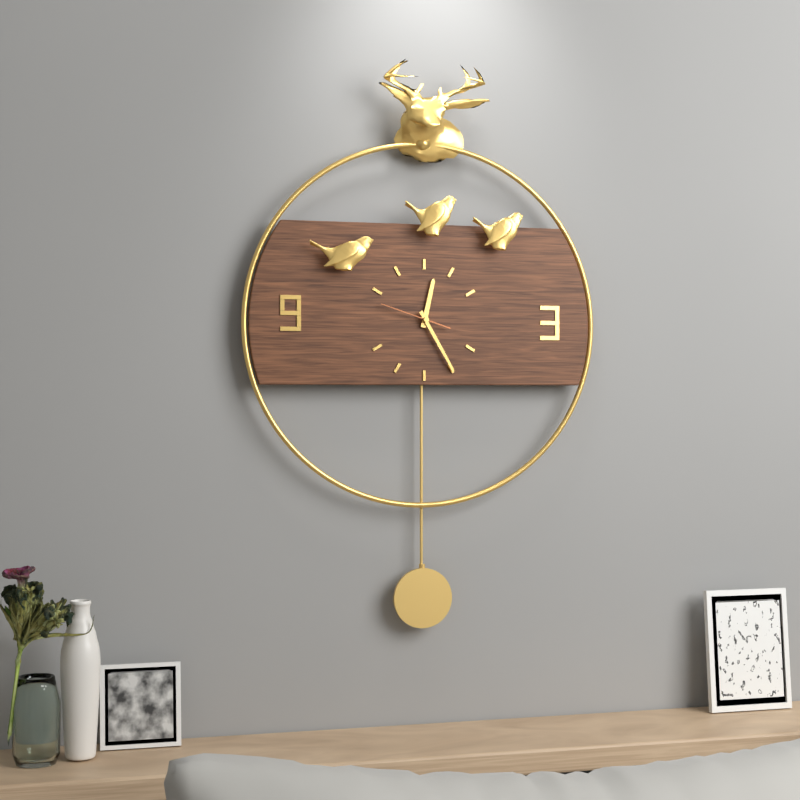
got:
h=12 m=25 s=48
